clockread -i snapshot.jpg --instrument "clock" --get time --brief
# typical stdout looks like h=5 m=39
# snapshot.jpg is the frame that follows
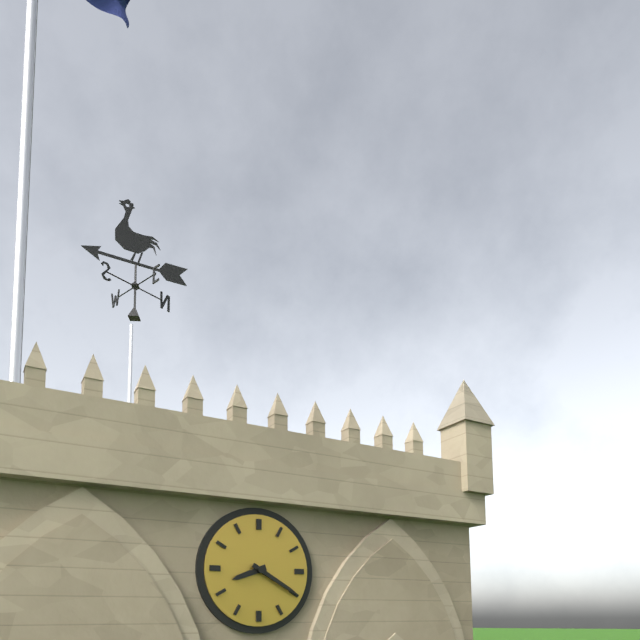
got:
h=8 m=20
